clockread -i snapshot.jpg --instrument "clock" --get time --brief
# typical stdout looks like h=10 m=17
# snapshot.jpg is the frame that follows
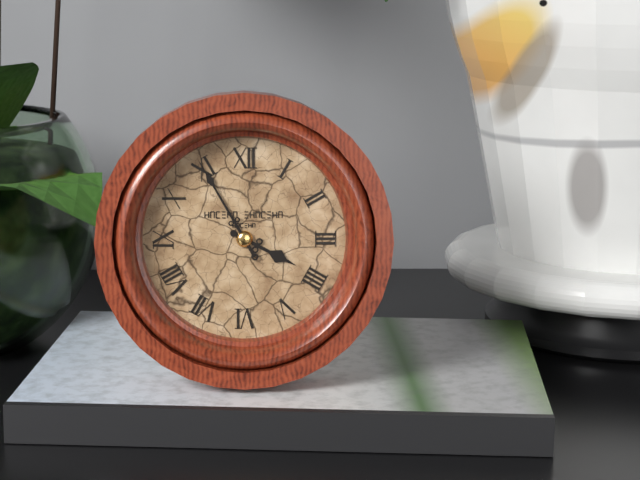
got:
h=3 m=55
